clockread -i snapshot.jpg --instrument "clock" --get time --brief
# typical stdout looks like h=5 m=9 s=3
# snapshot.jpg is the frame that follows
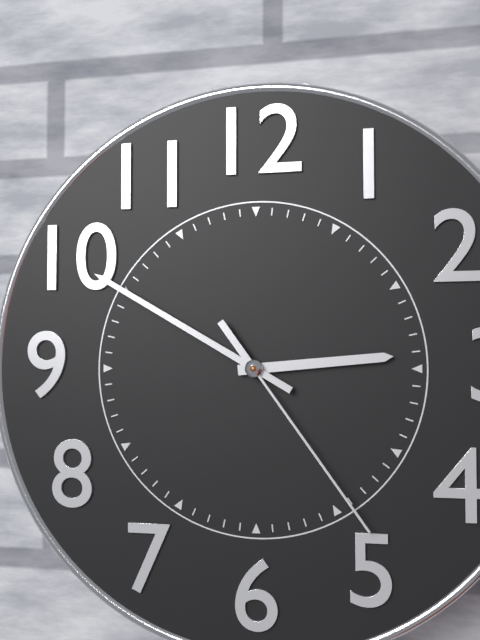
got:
h=2 m=50 s=24
